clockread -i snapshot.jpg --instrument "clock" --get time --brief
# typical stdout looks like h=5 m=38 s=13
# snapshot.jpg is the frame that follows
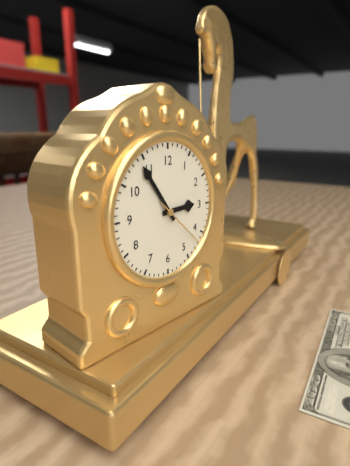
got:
h=2 m=54 s=22
